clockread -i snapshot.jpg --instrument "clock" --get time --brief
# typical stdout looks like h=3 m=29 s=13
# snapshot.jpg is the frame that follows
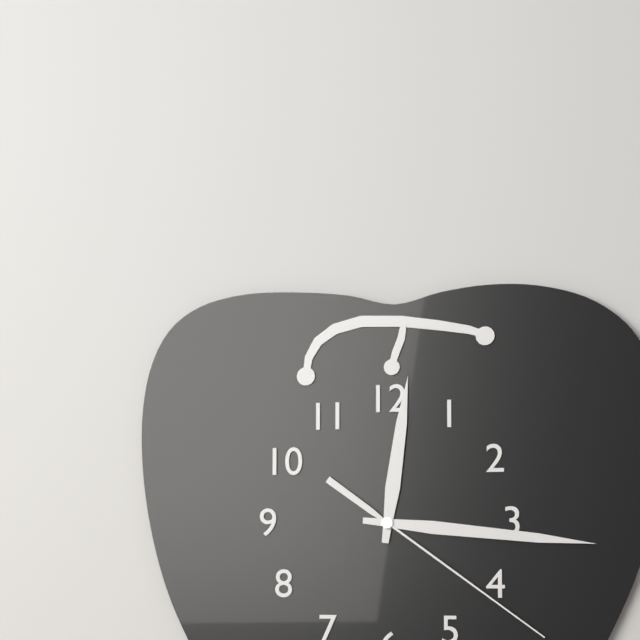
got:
h=12 m=16 s=21
